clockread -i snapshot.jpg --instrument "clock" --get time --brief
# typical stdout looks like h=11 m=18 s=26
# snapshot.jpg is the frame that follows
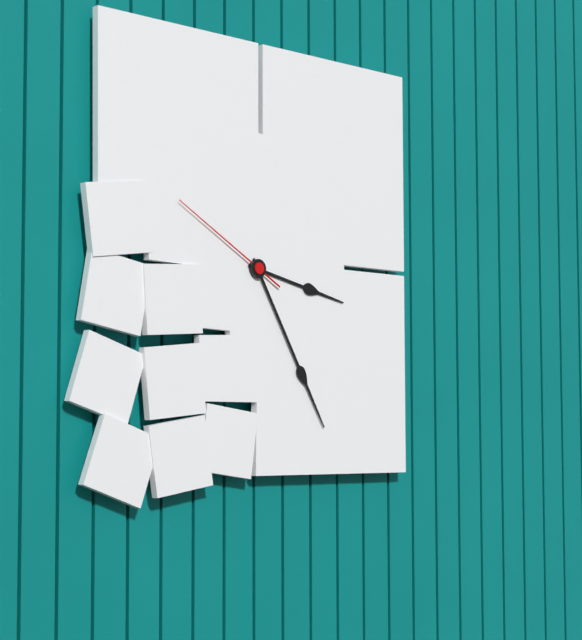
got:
h=3 m=25 s=50
